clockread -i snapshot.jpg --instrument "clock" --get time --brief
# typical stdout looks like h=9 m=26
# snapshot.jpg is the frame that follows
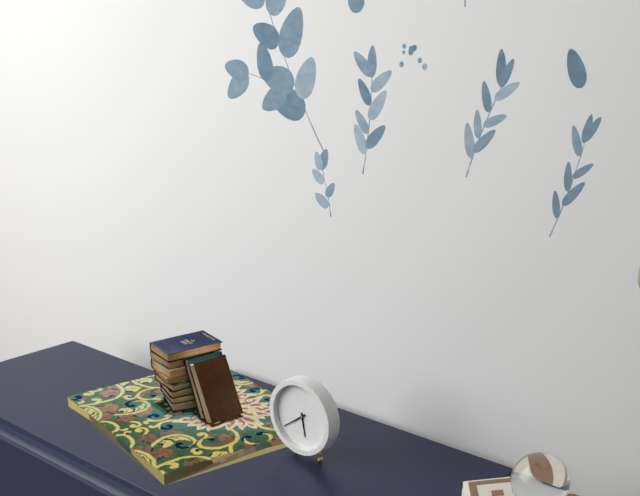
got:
h=5 m=39
